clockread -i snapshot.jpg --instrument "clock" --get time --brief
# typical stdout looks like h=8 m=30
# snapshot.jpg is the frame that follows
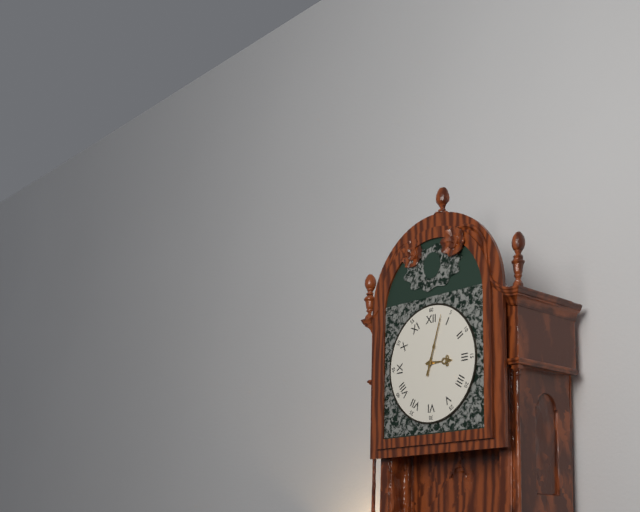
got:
h=3 m=3
